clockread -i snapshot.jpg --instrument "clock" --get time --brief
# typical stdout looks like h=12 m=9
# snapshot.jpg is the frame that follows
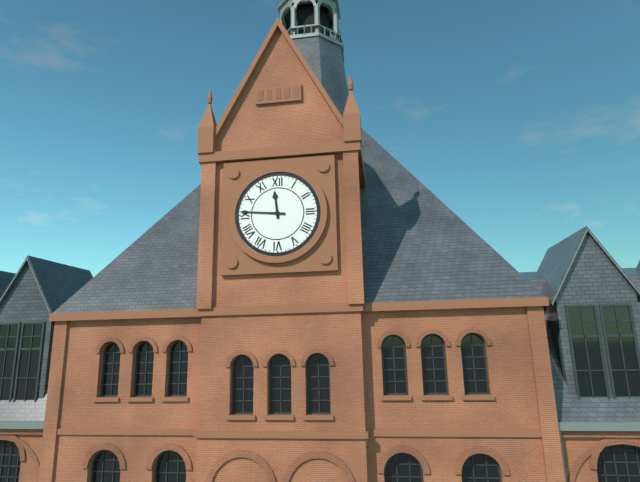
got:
h=11 m=46
